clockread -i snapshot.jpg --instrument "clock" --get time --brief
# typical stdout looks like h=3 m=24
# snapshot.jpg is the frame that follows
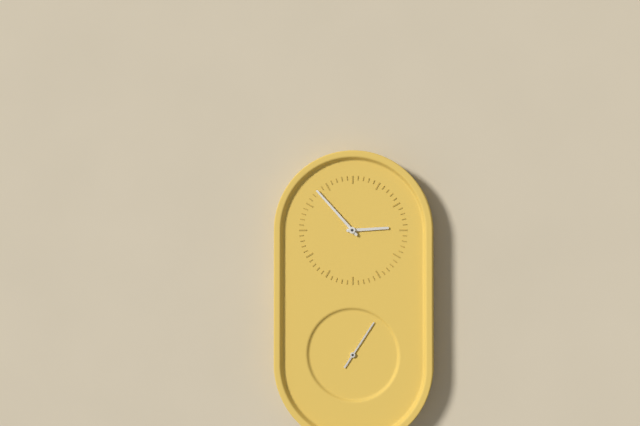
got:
h=2 m=53
